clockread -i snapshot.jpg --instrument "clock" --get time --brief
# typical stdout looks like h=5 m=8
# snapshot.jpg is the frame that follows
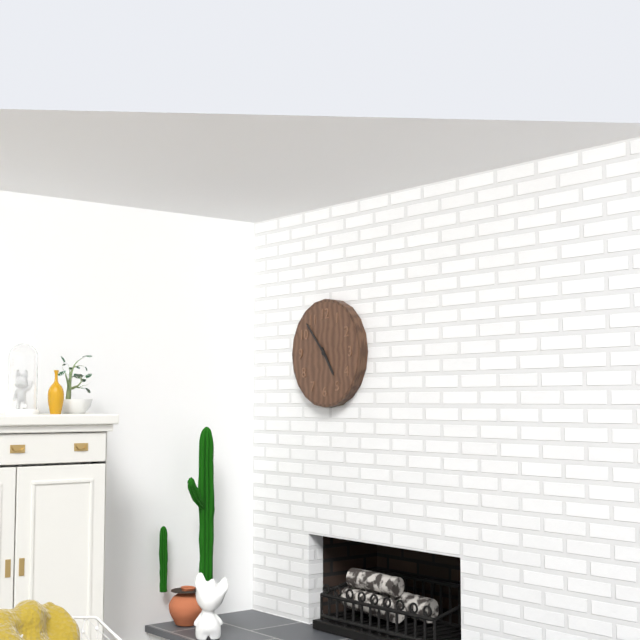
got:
h=4 m=53
